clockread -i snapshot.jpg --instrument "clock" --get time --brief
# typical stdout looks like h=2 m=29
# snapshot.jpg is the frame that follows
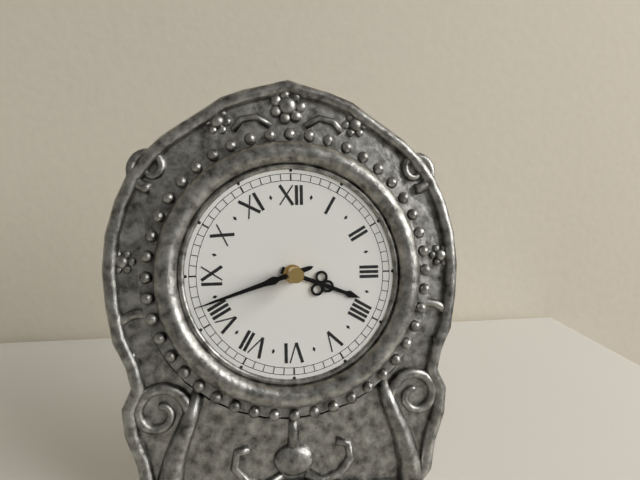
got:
h=3 m=42
